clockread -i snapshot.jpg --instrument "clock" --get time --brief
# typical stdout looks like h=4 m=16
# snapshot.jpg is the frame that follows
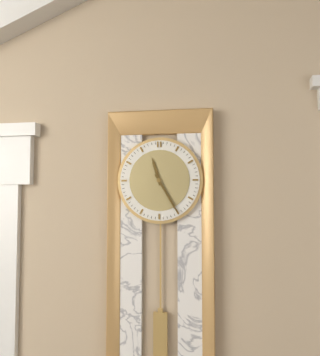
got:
h=11 m=25
